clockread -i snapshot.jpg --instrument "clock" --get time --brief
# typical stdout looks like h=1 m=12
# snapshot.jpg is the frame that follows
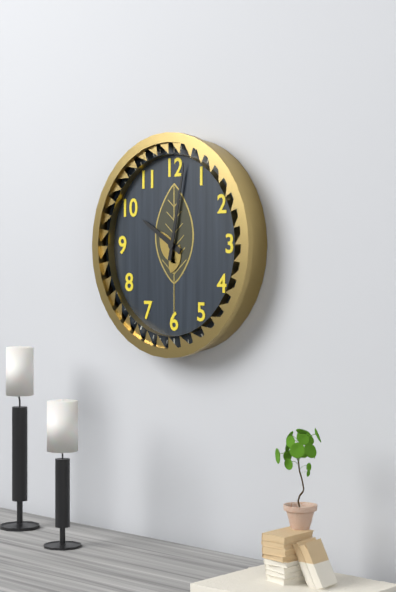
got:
h=10 m=2
